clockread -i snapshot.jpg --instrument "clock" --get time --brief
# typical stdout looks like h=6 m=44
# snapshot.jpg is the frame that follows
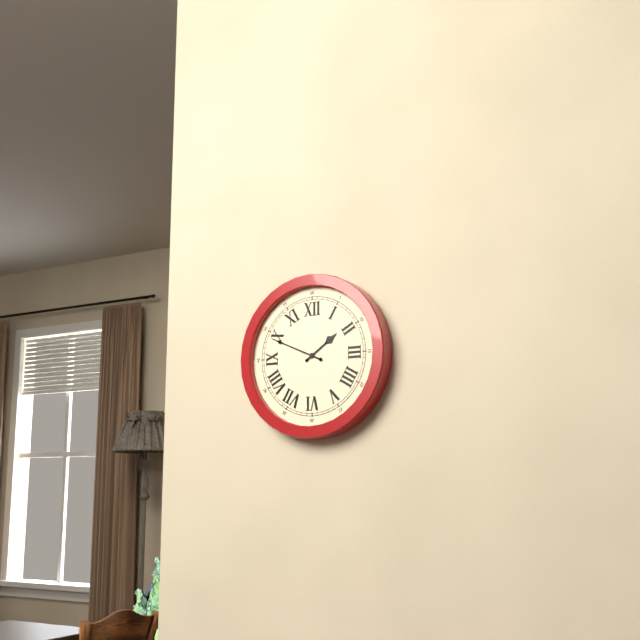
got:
h=1 m=49
